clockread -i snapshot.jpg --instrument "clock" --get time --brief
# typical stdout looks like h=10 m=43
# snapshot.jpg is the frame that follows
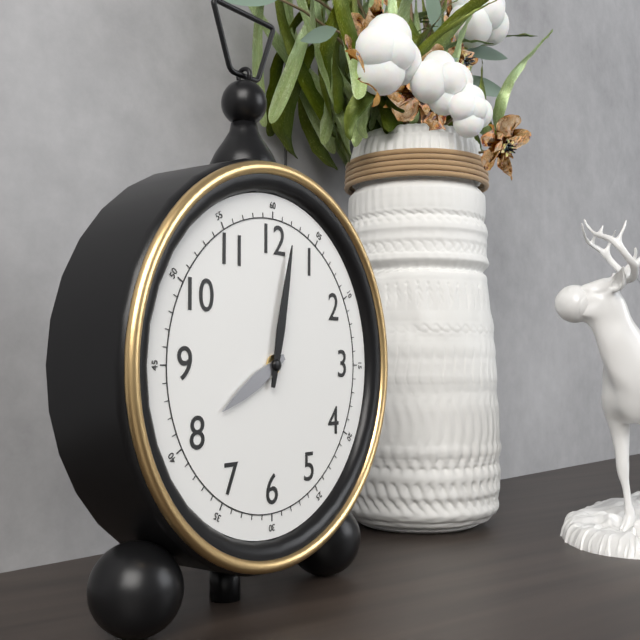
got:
h=8 m=2
